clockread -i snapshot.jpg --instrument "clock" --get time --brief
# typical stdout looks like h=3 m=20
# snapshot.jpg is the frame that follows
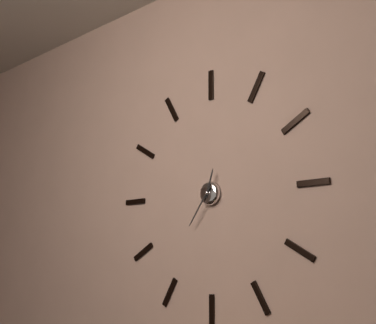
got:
h=12 m=36
